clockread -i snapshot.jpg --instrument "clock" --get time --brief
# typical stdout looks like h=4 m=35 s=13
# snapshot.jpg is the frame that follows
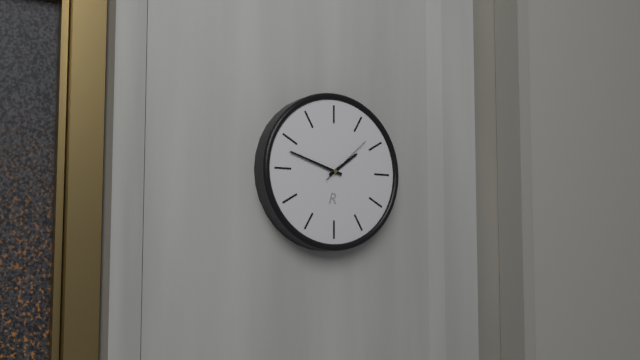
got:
h=1 m=48 s=8
